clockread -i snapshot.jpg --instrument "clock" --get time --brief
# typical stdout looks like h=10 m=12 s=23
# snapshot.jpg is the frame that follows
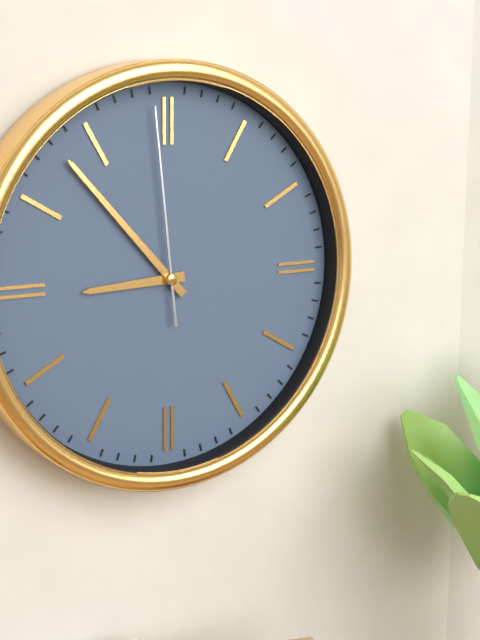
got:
h=8 m=53 s=59
